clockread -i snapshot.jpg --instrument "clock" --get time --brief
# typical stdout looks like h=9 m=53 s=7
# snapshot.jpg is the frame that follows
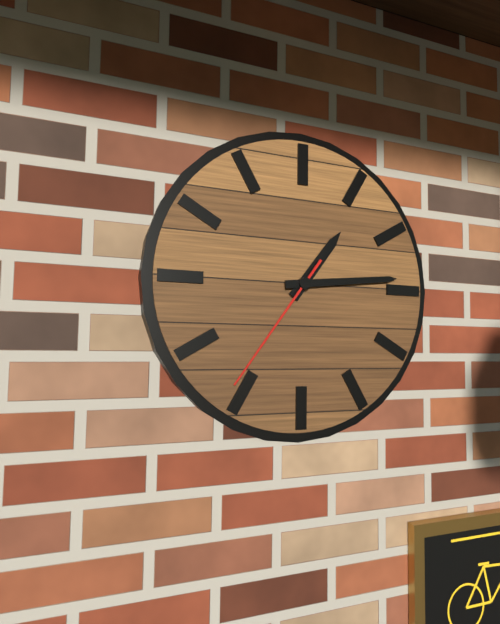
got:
h=1 m=14 s=36
